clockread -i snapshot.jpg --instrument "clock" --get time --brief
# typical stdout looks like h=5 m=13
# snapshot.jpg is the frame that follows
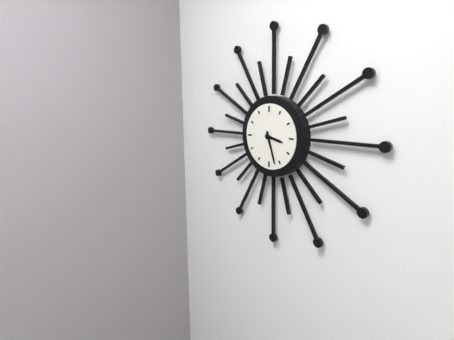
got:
h=3 m=27
